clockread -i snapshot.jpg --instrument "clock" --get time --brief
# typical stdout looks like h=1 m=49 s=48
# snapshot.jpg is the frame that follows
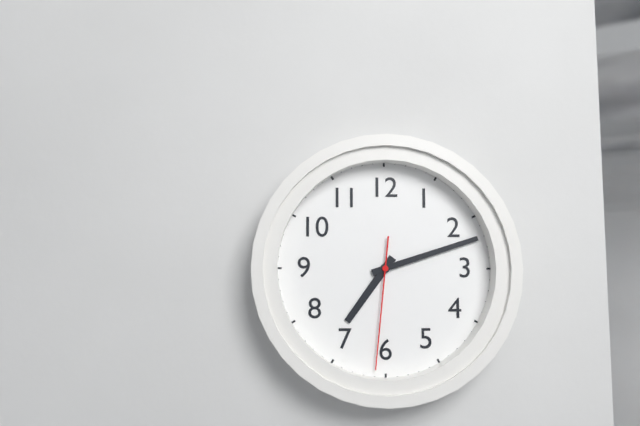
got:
h=7 m=12 s=31
